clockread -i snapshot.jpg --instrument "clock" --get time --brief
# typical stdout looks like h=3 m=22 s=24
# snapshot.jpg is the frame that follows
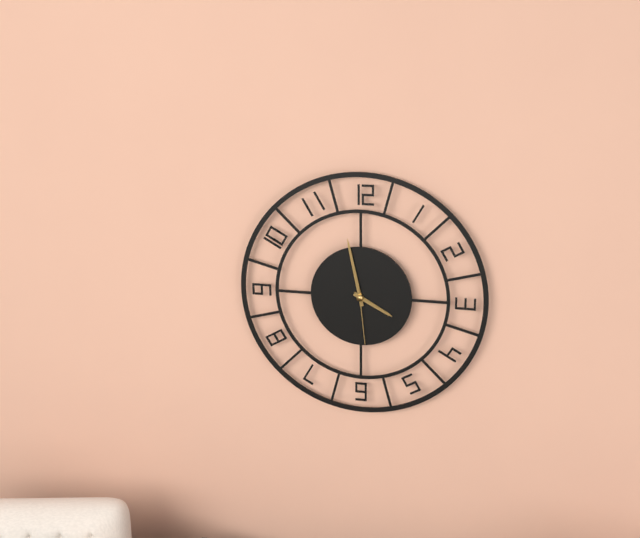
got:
h=3 m=58 s=29
